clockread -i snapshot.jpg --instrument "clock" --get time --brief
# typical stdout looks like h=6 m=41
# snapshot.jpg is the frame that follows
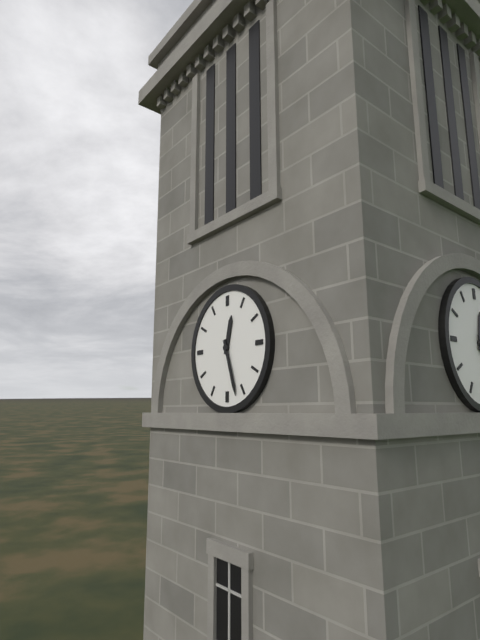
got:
h=12 m=27
